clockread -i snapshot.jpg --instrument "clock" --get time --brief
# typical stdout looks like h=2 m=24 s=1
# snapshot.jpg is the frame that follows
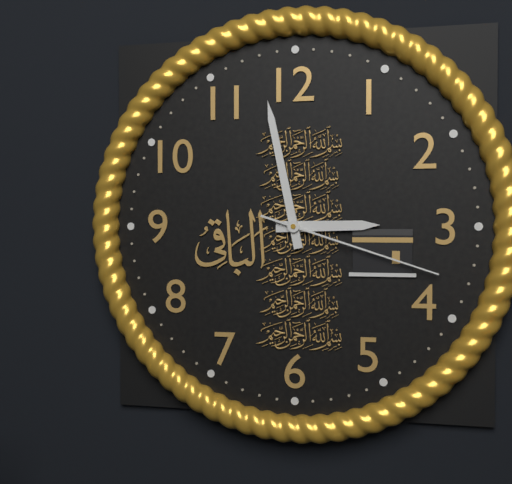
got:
h=2 m=58 s=18
